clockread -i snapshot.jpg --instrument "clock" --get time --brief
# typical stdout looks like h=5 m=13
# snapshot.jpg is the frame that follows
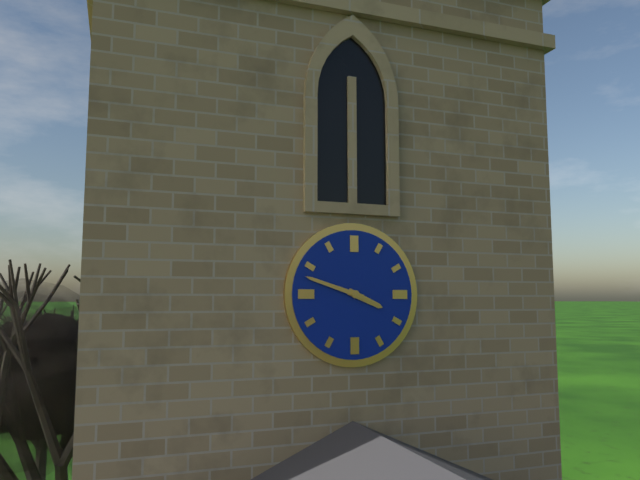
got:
h=3 m=48
